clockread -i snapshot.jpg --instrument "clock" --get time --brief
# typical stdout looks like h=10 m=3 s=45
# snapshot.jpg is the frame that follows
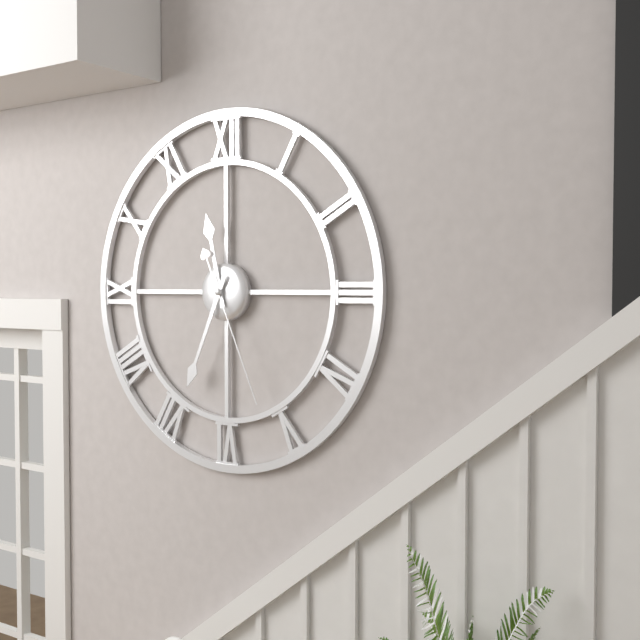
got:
h=11 m=34 s=26
